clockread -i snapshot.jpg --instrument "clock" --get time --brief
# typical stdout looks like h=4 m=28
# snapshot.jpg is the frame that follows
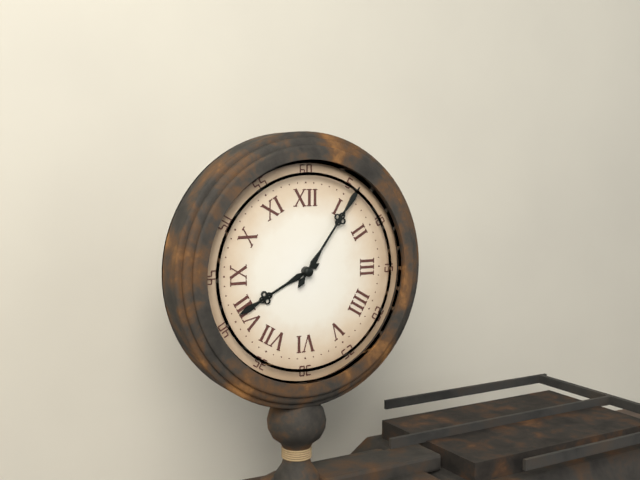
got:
h=8 m=6
